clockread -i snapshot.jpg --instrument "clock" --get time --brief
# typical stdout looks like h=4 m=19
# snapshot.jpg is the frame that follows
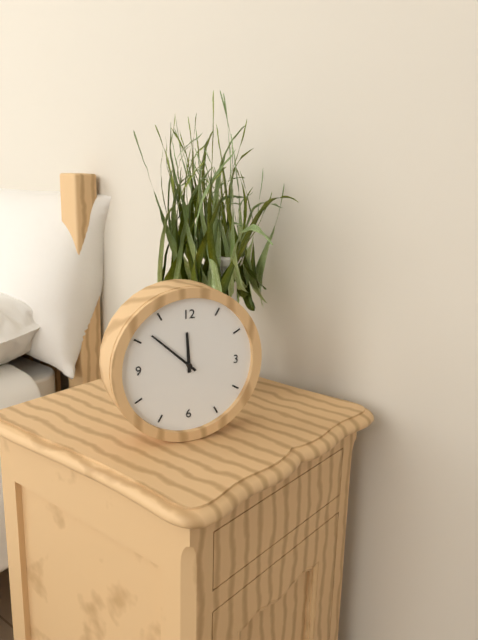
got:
h=11 m=52
